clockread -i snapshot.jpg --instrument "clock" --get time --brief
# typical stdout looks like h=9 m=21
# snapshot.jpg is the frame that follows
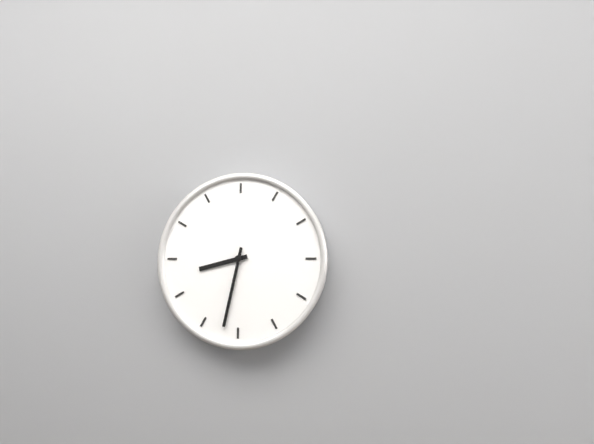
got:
h=8 m=32
